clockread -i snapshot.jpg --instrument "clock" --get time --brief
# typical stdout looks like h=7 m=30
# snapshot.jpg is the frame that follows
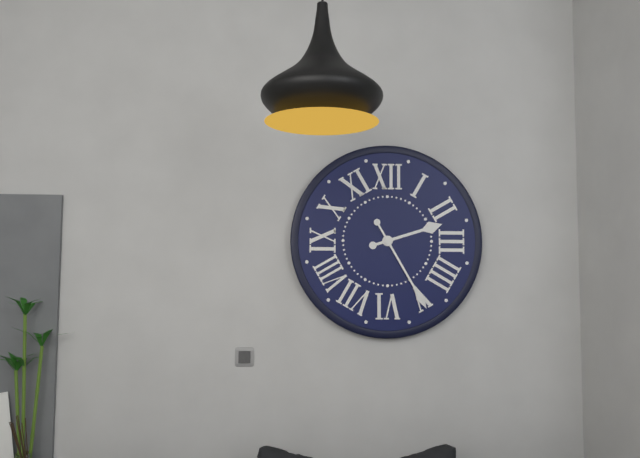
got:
h=2 m=25
